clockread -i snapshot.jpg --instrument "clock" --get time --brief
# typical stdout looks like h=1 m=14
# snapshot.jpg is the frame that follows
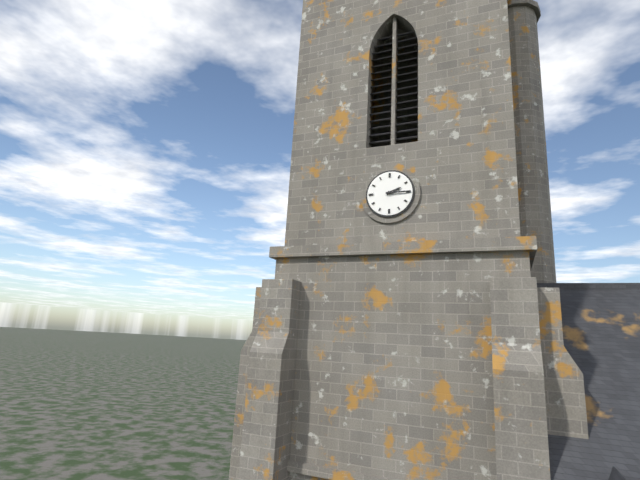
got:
h=2 m=15
